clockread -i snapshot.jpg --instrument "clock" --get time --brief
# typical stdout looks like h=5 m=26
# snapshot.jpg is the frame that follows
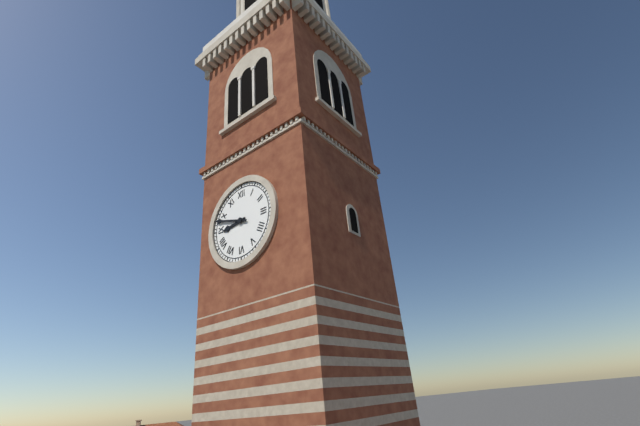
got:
h=8 m=48
